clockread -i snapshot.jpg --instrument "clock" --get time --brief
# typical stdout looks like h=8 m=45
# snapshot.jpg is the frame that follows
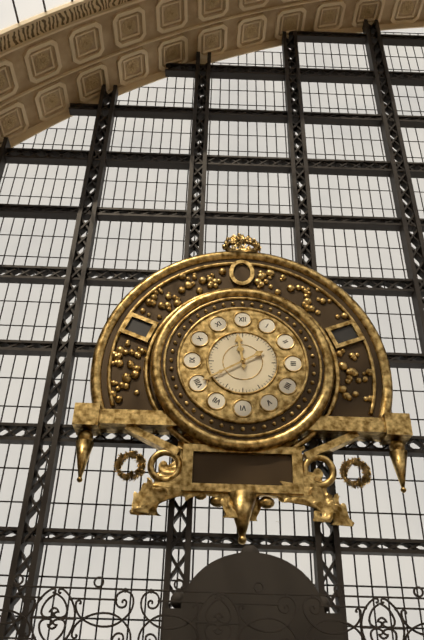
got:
h=11 m=40
